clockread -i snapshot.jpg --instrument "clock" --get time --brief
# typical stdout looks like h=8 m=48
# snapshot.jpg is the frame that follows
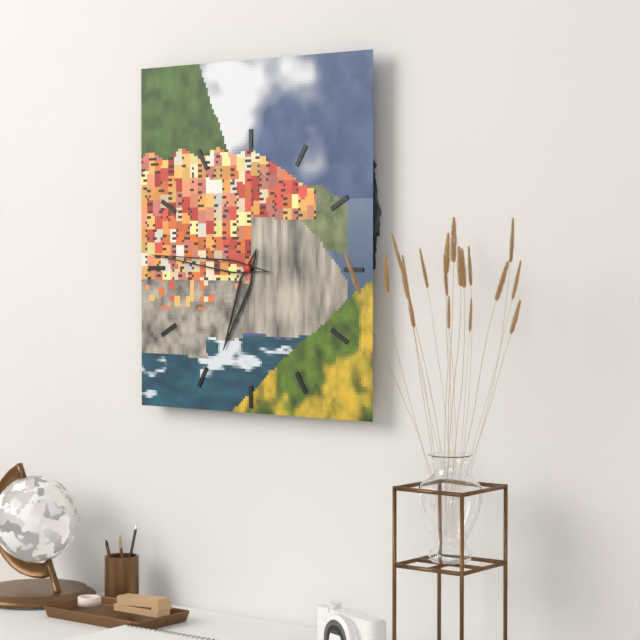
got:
h=6 m=46
